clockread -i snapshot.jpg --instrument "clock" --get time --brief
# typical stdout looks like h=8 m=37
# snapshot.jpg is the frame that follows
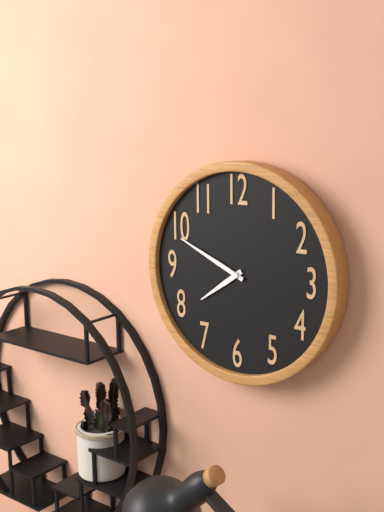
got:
h=7 m=49
